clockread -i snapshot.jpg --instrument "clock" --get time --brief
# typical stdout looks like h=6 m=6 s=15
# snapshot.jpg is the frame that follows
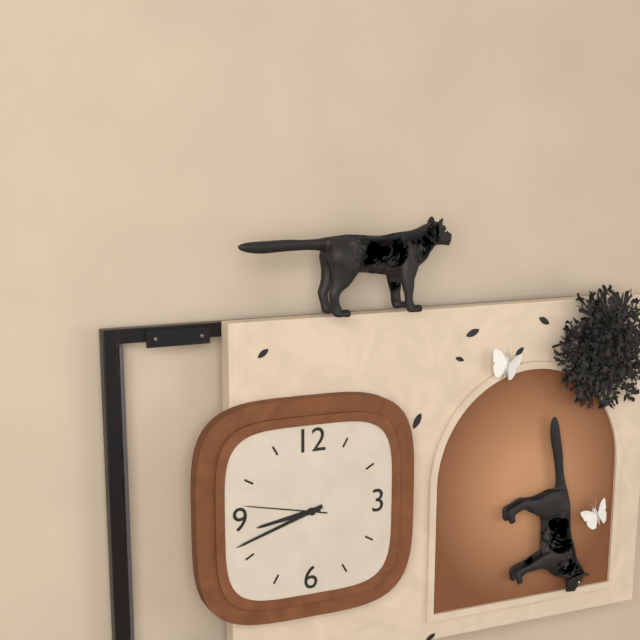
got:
h=8 m=42 s=47
